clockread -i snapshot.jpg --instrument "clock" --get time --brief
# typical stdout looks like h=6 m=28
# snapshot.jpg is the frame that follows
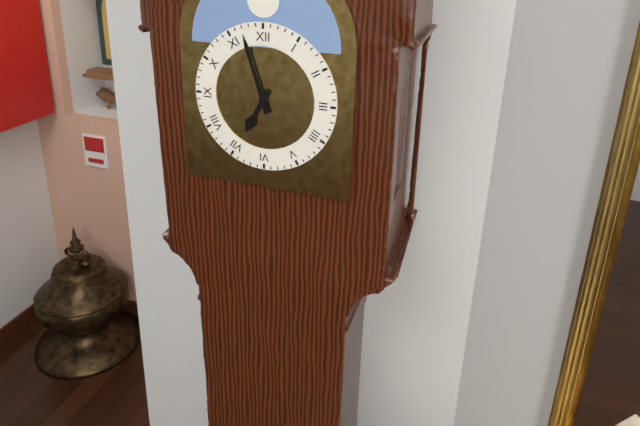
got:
h=6 m=57
